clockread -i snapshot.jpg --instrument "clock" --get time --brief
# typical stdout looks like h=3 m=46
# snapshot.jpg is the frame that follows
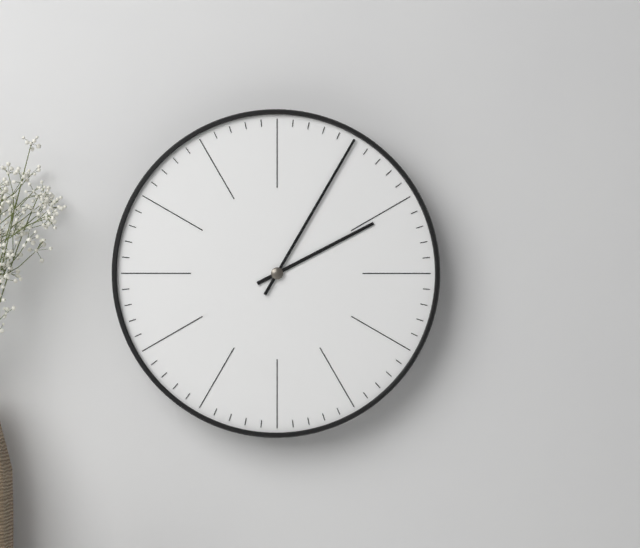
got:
h=2 m=5
